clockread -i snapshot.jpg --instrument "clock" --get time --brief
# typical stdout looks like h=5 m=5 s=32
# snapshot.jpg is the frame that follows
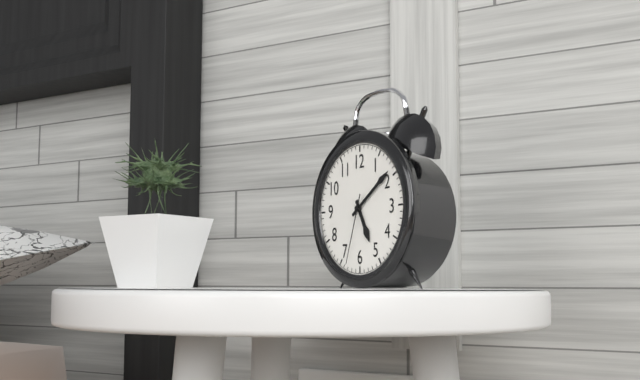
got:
h=5 m=9 s=33
